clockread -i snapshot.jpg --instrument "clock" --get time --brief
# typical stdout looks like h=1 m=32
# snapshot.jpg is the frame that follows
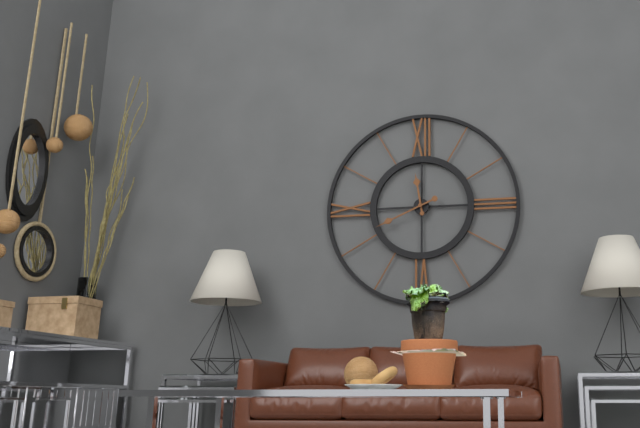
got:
h=11 m=41
